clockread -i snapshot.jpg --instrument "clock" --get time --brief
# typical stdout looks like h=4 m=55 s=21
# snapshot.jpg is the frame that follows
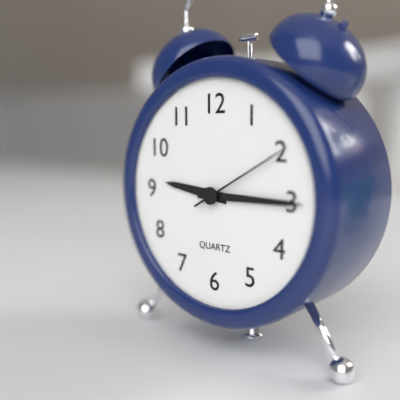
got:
h=9 m=15 s=10
